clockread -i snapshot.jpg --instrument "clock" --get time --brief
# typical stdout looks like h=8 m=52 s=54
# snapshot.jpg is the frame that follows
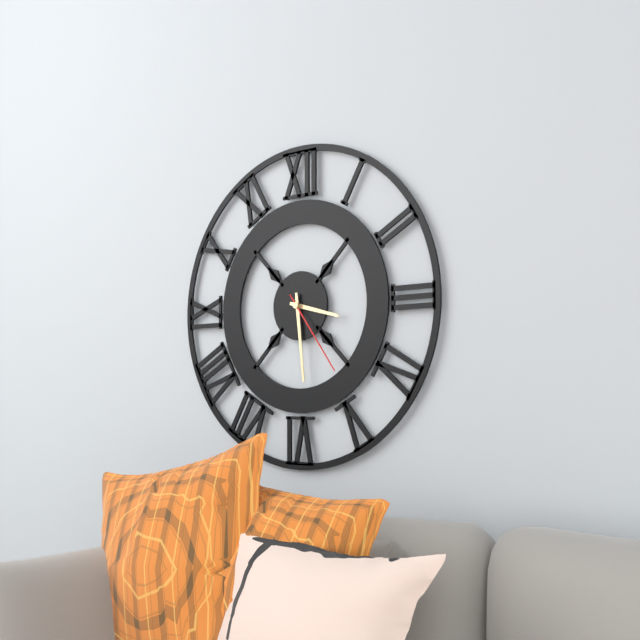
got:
h=3 m=29 s=24
